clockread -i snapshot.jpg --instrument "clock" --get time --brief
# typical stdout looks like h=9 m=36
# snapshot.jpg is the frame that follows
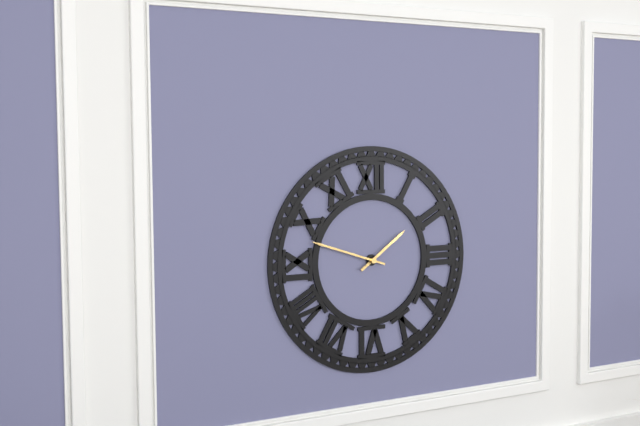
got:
h=1 m=48
